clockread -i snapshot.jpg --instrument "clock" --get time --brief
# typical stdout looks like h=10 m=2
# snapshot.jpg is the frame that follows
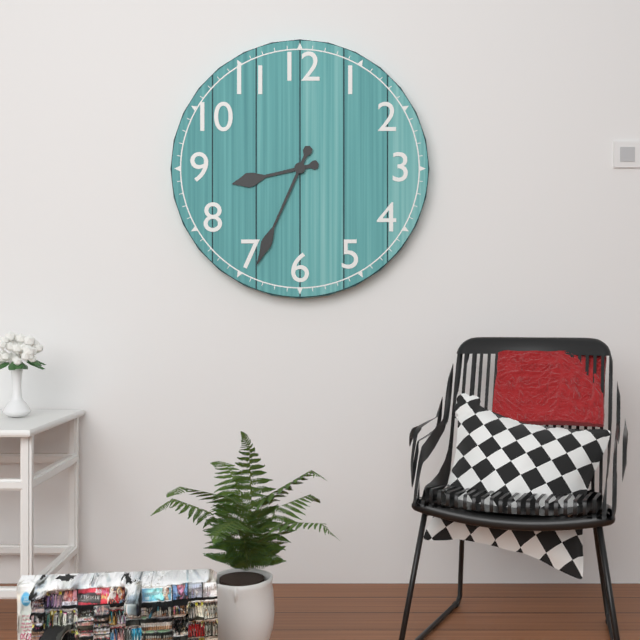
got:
h=8 m=34
